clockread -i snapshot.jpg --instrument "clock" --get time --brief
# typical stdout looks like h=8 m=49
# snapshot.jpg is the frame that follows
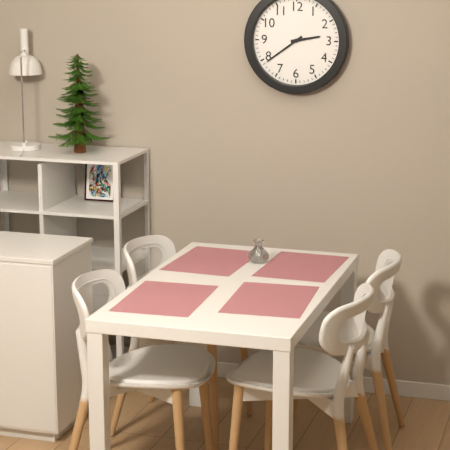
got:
h=2 m=39
